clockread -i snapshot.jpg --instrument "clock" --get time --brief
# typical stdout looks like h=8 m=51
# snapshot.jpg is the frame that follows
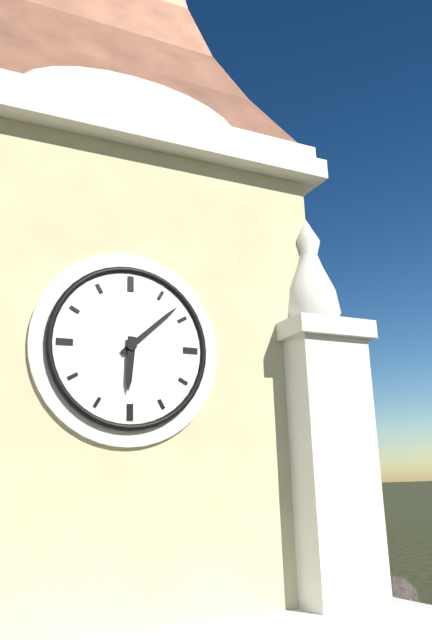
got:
h=6 m=8
